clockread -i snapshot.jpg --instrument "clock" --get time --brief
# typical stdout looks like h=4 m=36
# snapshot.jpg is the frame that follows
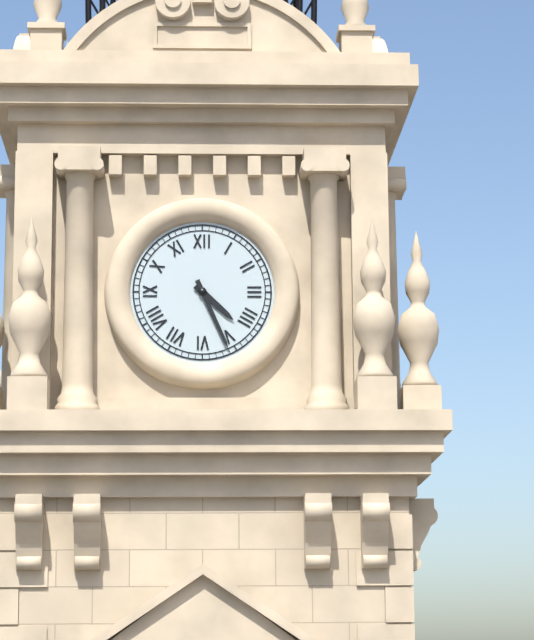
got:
h=4 m=26
